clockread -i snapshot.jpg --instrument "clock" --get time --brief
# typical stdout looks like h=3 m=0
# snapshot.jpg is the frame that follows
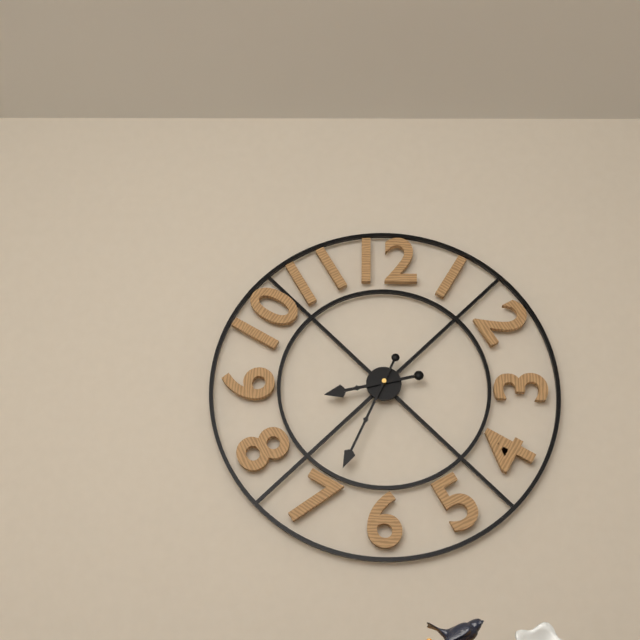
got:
h=8 m=34
